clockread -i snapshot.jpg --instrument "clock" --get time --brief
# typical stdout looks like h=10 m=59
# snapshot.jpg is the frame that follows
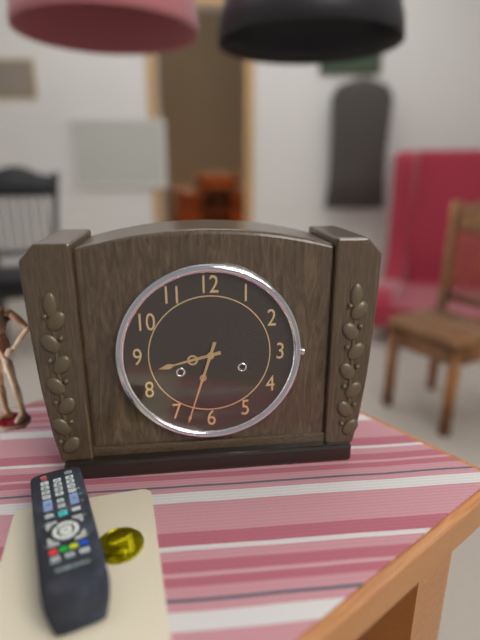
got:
h=8 m=33
